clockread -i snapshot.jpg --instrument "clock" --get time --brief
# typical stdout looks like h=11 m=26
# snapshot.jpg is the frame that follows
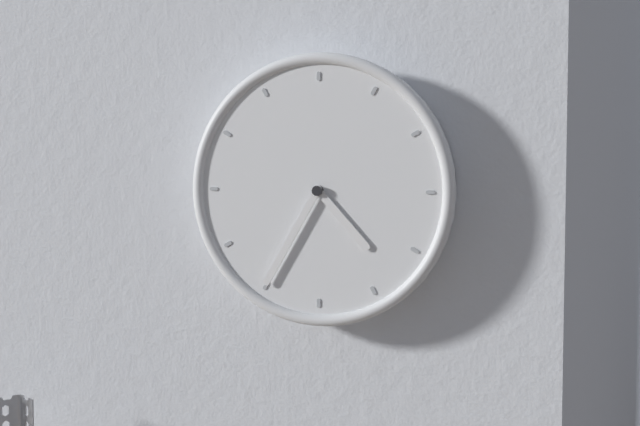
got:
h=4 m=35
